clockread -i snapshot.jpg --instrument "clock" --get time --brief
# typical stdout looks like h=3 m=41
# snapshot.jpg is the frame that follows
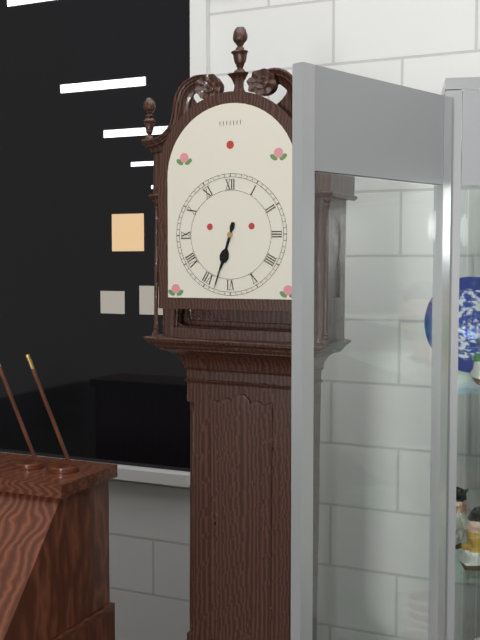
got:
h=6 m=33
